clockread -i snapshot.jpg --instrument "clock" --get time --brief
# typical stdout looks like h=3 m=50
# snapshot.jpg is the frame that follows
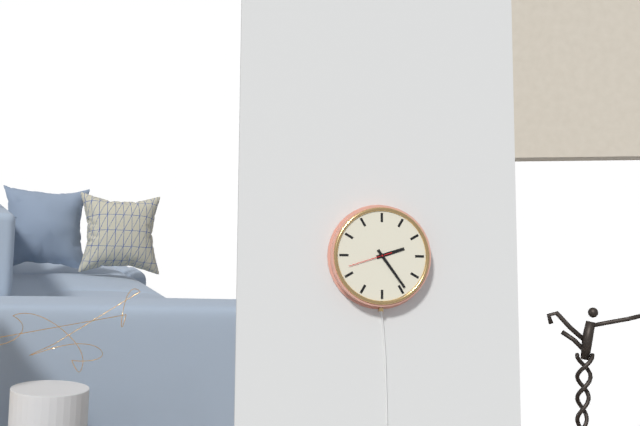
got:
h=2 m=24
